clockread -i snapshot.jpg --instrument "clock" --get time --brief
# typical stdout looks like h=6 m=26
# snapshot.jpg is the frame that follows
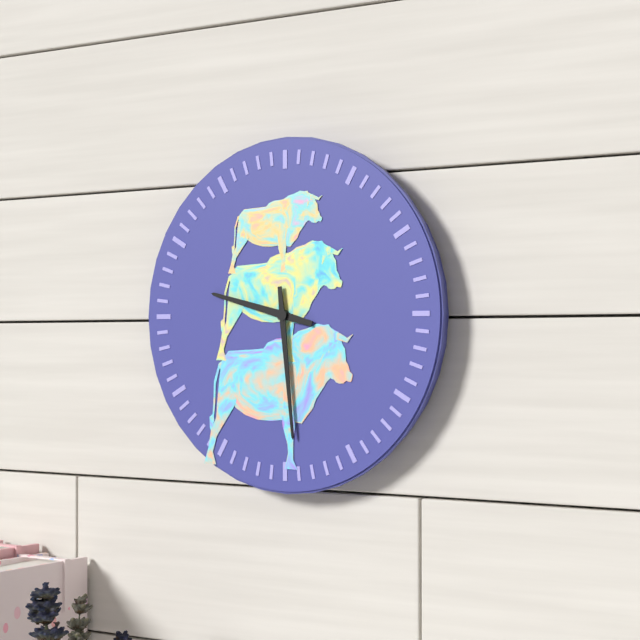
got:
h=9 m=29
